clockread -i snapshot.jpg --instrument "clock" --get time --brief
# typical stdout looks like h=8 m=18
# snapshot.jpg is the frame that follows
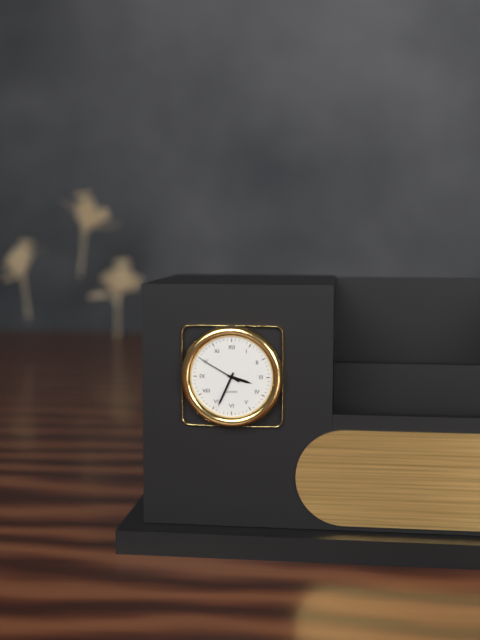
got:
h=3 m=34
